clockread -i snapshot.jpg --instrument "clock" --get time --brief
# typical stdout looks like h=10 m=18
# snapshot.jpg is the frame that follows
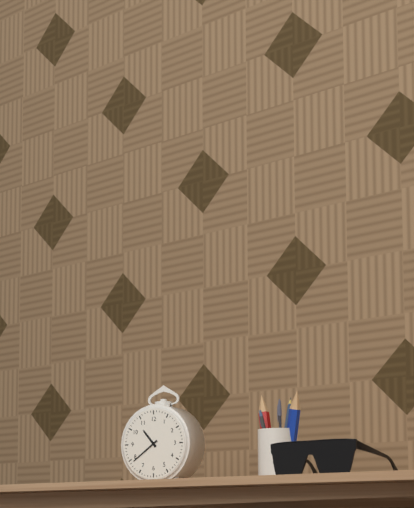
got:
h=10 m=39
